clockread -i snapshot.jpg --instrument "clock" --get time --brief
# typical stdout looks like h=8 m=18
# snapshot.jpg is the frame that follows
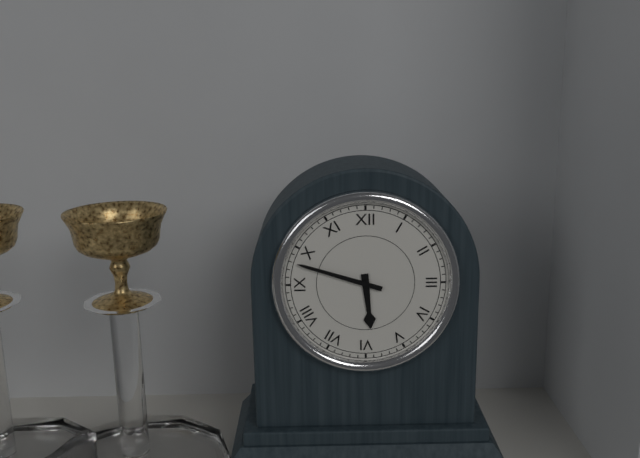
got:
h=5 m=48
